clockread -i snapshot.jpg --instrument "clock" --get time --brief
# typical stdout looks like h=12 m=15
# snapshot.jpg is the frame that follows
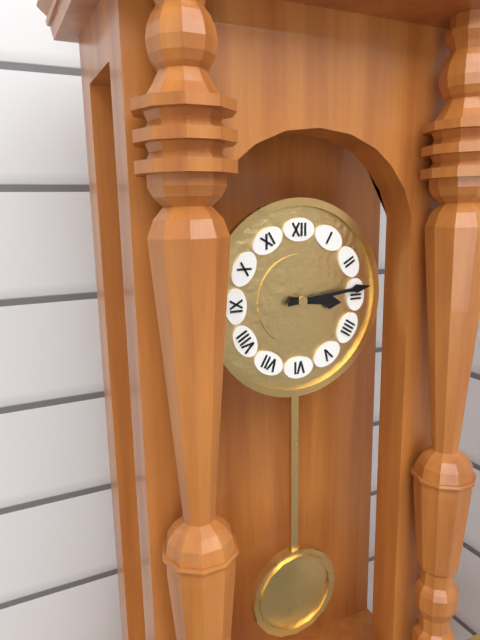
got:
h=3 m=14
